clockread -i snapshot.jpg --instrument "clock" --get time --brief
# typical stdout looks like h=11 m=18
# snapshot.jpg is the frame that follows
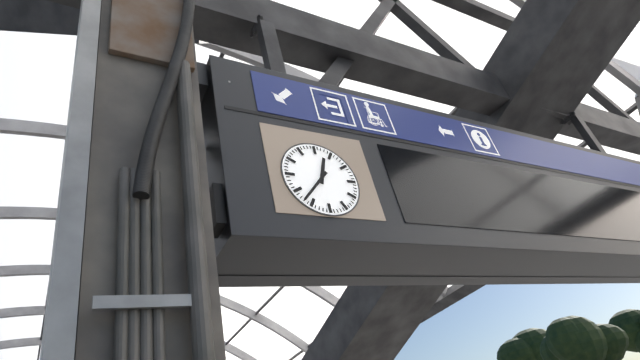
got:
h=12 m=37
